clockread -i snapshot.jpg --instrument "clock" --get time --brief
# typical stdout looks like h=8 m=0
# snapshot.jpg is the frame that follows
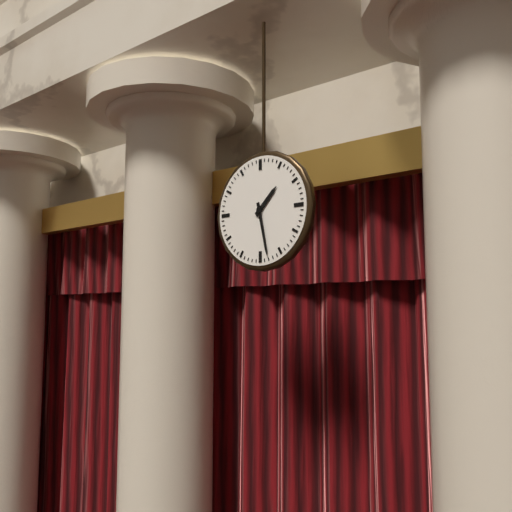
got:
h=1 m=28
